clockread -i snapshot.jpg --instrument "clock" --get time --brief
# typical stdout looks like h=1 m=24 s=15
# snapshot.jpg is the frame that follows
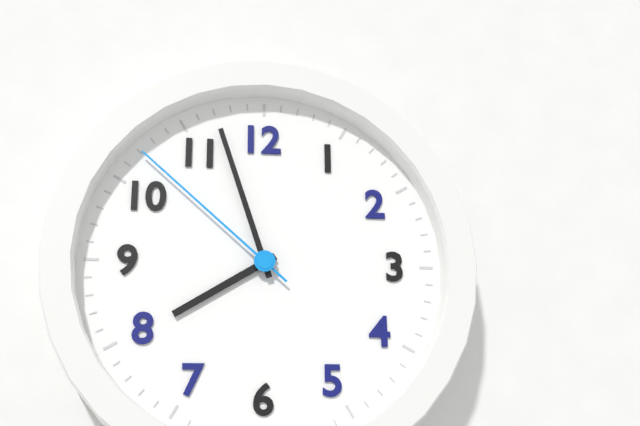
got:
h=7 m=57 s=52
